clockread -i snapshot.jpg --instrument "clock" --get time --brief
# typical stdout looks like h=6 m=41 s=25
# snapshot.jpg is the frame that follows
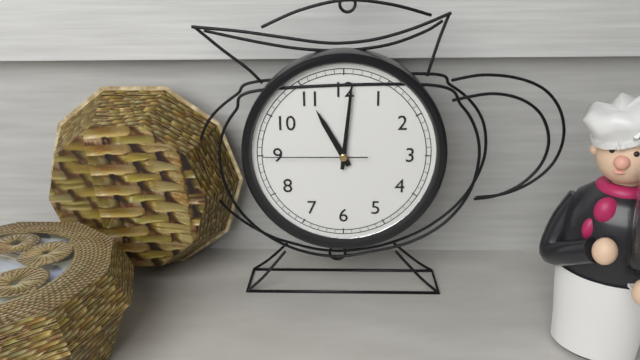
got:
h=11 m=1 s=45
